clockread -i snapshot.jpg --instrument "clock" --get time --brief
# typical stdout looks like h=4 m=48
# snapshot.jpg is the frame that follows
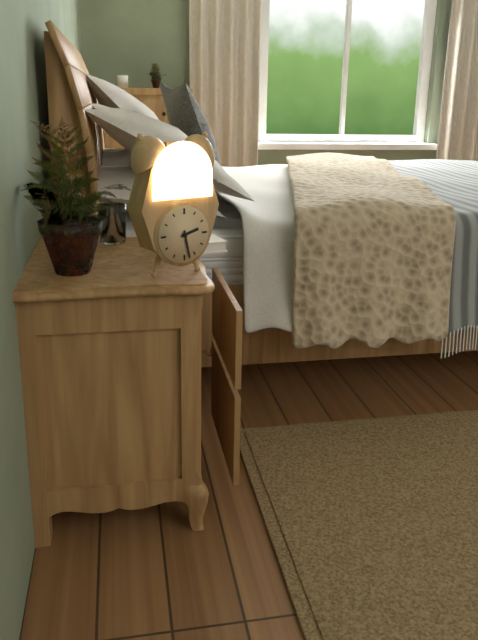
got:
h=2 m=28
